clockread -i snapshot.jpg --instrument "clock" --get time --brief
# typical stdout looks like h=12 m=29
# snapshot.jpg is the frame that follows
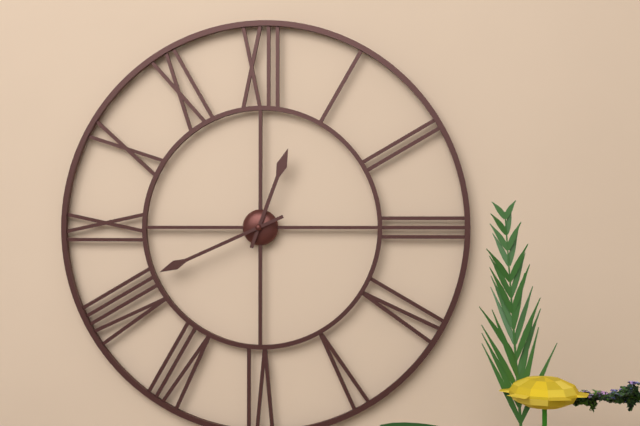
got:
h=12 m=41
